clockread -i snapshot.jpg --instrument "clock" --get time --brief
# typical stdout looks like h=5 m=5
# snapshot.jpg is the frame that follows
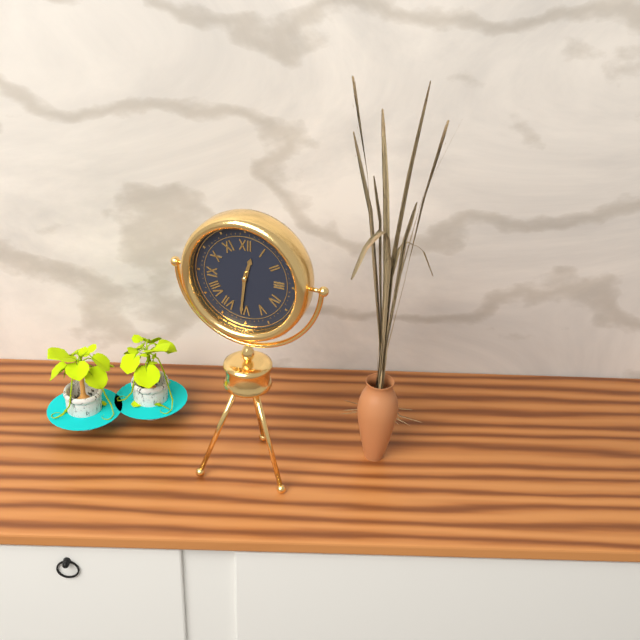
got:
h=12 m=31
